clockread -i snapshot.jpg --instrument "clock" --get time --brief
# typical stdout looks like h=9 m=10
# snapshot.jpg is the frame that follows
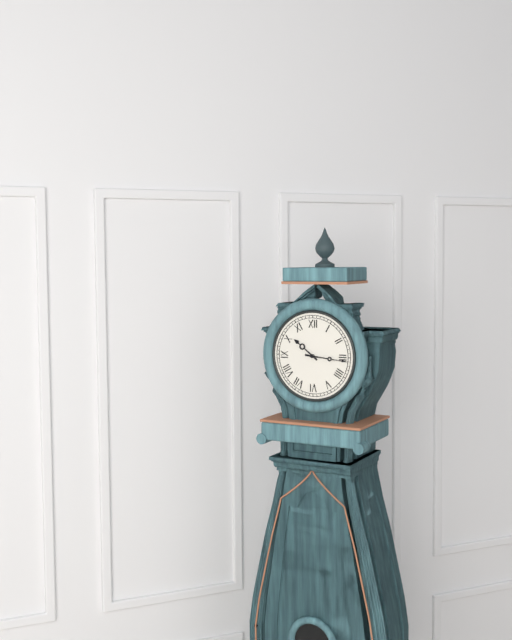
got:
h=10 m=16
